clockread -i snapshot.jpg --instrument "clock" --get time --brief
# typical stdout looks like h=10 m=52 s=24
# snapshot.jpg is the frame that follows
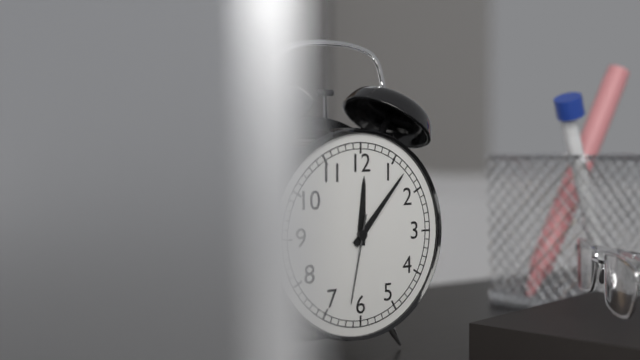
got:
h=12 m=7 s=32
